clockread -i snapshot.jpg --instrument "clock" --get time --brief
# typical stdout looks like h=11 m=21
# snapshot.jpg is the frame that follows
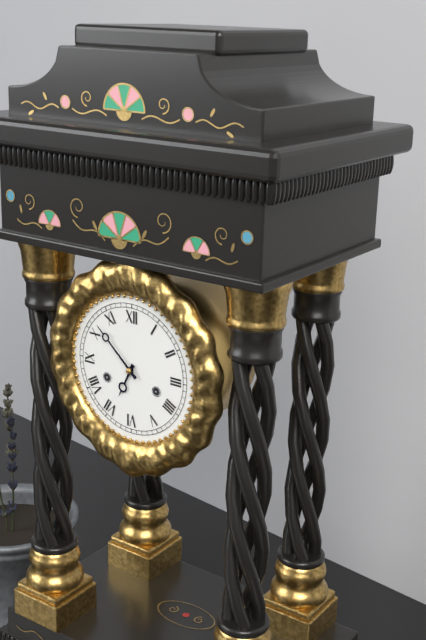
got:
h=6 m=52
